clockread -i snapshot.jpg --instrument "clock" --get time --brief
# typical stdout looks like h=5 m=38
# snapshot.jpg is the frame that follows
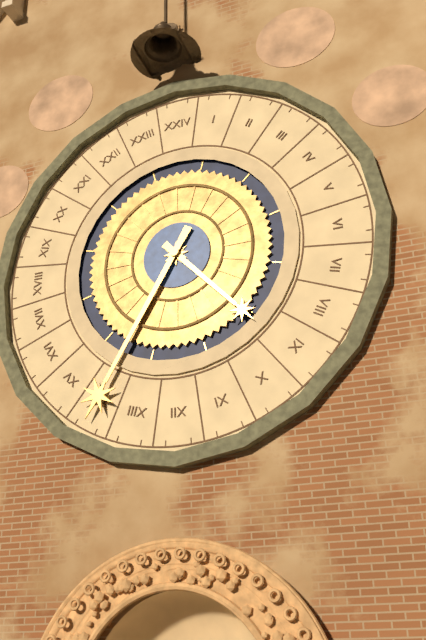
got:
h=4 m=35
